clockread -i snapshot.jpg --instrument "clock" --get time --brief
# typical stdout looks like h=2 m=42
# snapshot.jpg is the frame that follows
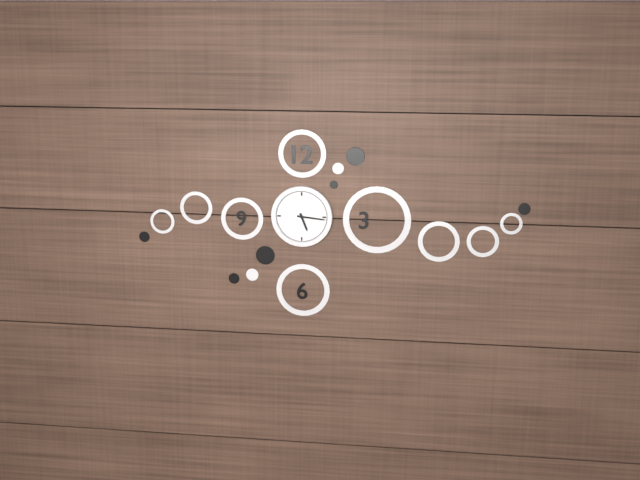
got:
h=5 m=16
